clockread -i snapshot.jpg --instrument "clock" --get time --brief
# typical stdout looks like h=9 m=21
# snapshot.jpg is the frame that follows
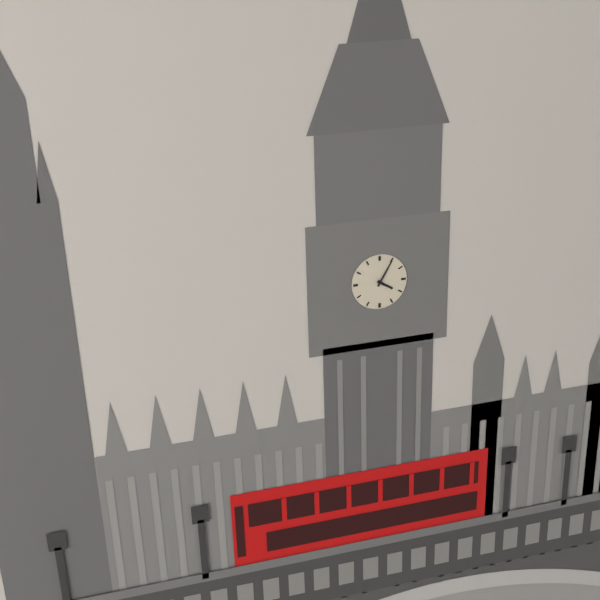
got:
h=4 m=5
